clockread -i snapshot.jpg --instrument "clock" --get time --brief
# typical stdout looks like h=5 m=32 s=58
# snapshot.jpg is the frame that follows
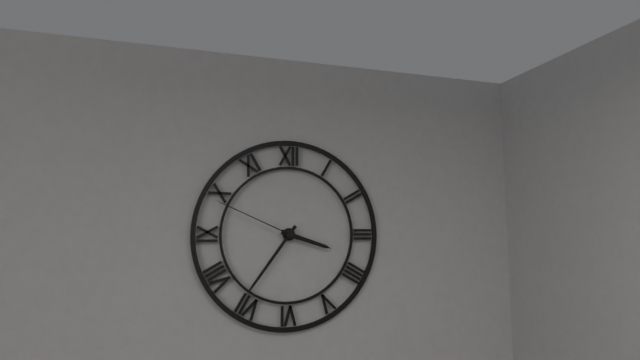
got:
h=3 m=36 s=49
